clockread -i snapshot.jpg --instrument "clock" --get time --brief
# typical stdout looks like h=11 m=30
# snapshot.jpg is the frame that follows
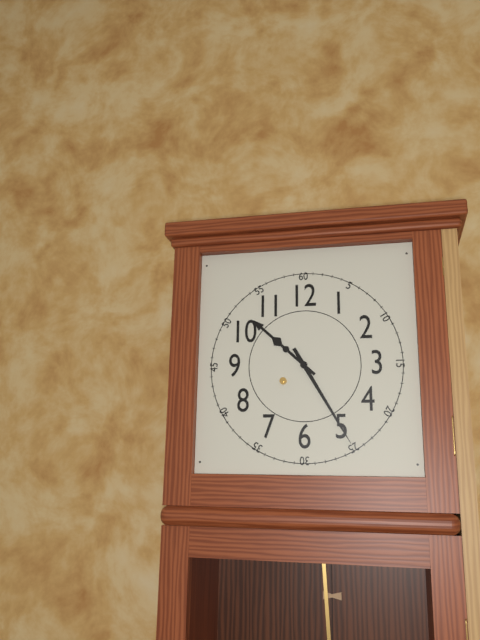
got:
h=10 m=25
